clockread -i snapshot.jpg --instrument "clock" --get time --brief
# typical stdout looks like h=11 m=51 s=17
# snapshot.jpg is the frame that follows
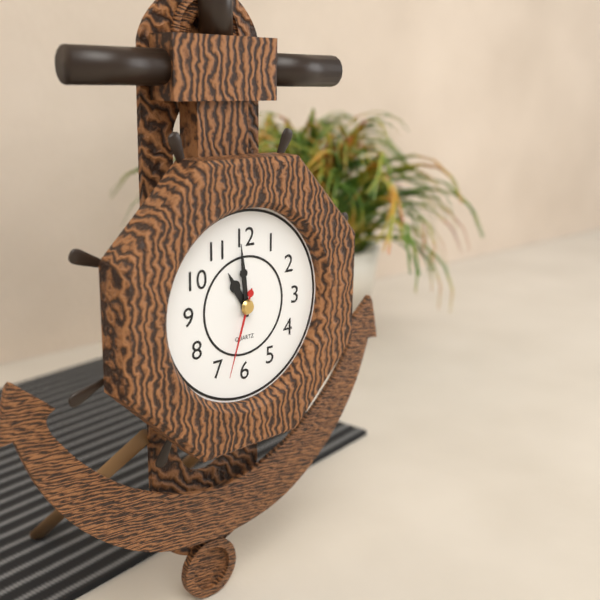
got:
h=10 m=59 s=33
